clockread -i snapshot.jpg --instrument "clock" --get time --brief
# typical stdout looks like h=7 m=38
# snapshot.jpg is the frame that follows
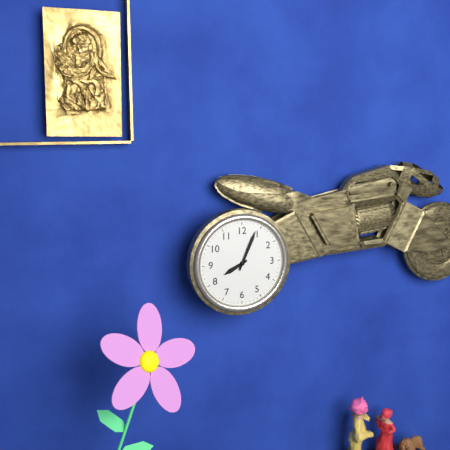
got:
h=8 m=4
